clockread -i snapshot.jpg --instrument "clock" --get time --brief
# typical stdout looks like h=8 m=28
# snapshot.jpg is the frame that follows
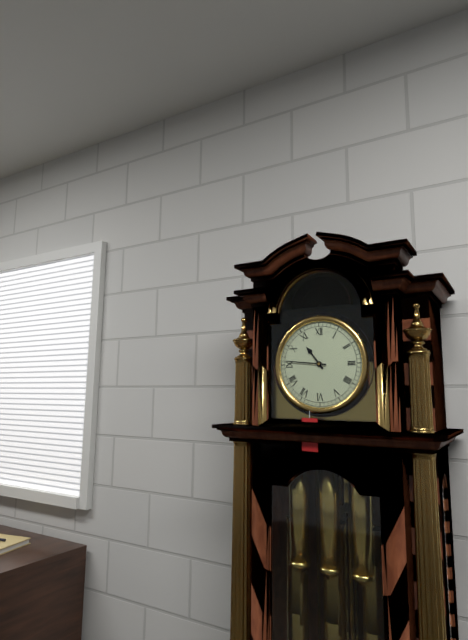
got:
h=10 m=46
